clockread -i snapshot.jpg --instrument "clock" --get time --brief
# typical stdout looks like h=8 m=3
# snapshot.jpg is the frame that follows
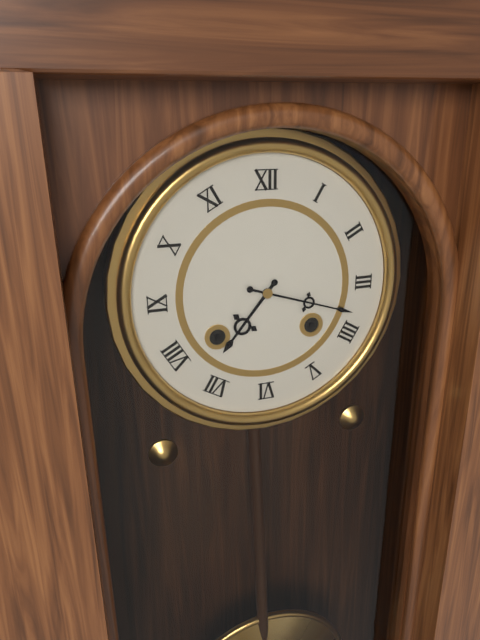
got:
h=7 m=18
